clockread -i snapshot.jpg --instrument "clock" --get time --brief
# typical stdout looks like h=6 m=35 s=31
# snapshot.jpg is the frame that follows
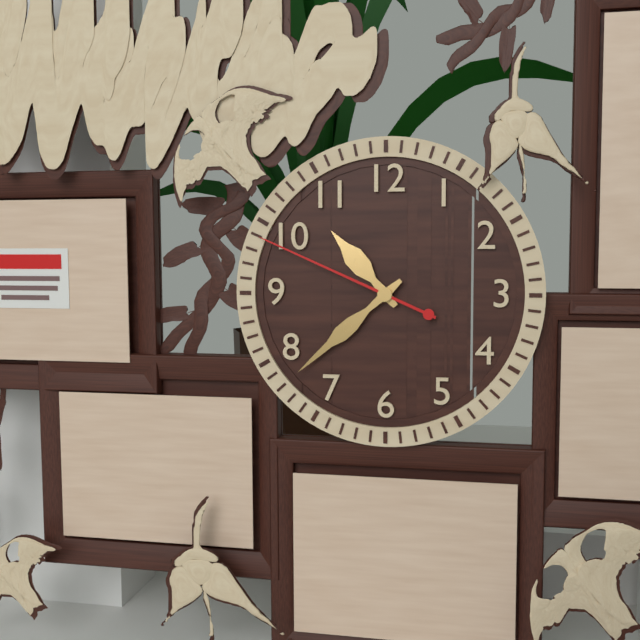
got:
h=10 m=38 s=49
